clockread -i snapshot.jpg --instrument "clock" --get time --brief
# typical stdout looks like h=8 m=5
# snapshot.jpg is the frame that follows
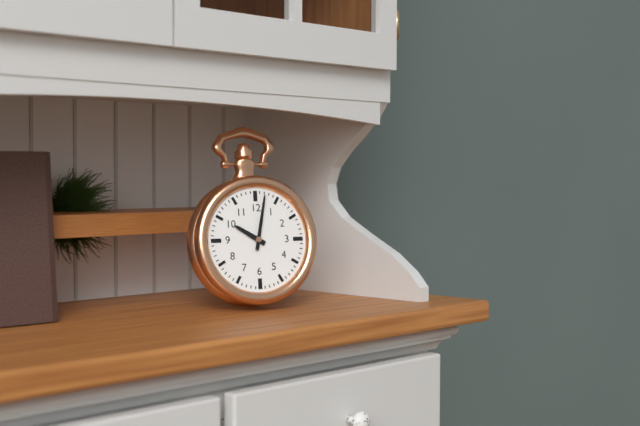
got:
h=10 m=2
